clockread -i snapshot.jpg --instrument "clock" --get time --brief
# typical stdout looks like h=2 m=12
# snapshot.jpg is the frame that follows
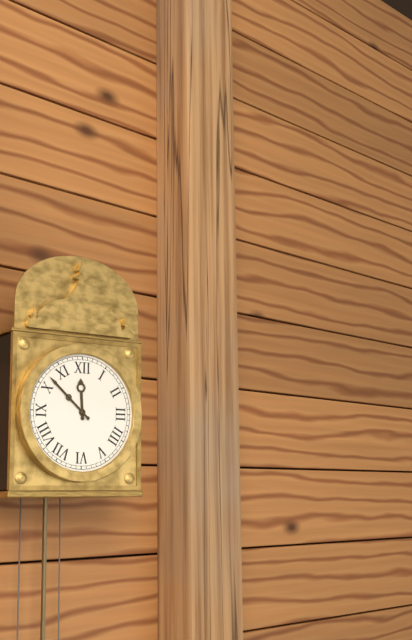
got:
h=11 m=52
